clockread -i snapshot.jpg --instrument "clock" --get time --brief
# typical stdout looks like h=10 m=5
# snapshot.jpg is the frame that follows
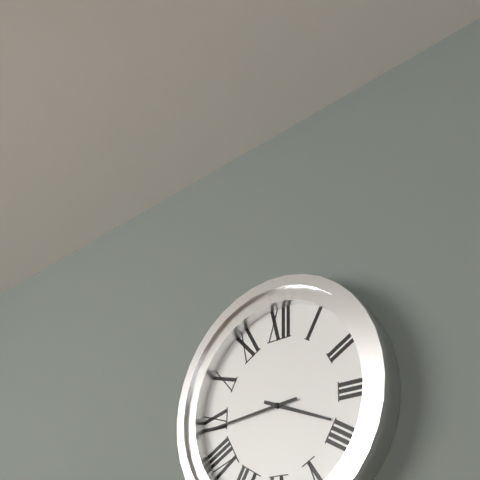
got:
h=3 m=44
